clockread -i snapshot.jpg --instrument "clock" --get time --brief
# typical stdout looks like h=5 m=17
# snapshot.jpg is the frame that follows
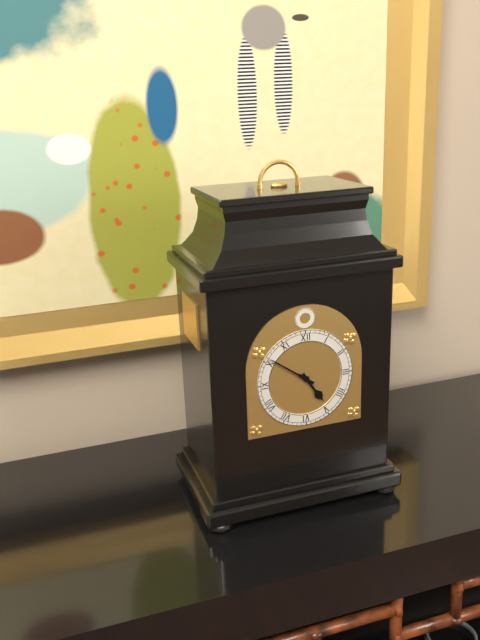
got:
h=4 m=51
